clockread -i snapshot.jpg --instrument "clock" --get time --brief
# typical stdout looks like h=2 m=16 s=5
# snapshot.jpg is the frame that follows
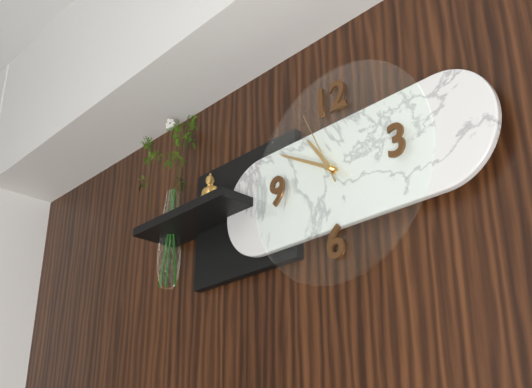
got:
h=10 m=50 s=56
